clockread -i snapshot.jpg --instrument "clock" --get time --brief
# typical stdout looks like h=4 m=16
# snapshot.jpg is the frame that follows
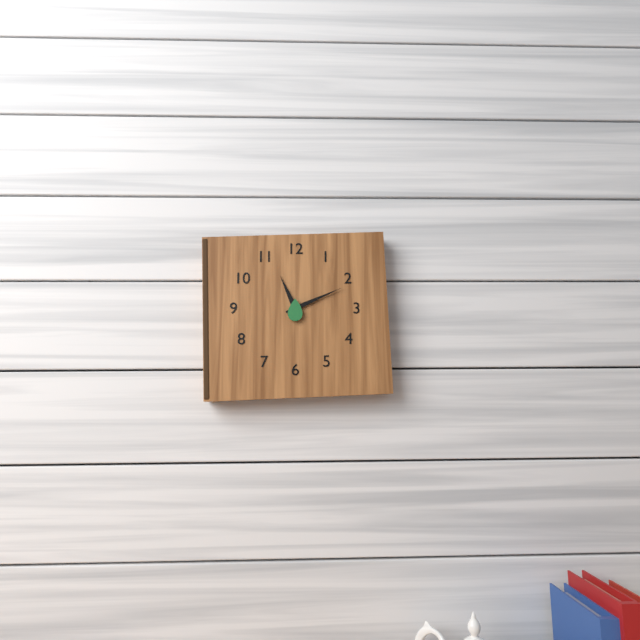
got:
h=11 m=11
